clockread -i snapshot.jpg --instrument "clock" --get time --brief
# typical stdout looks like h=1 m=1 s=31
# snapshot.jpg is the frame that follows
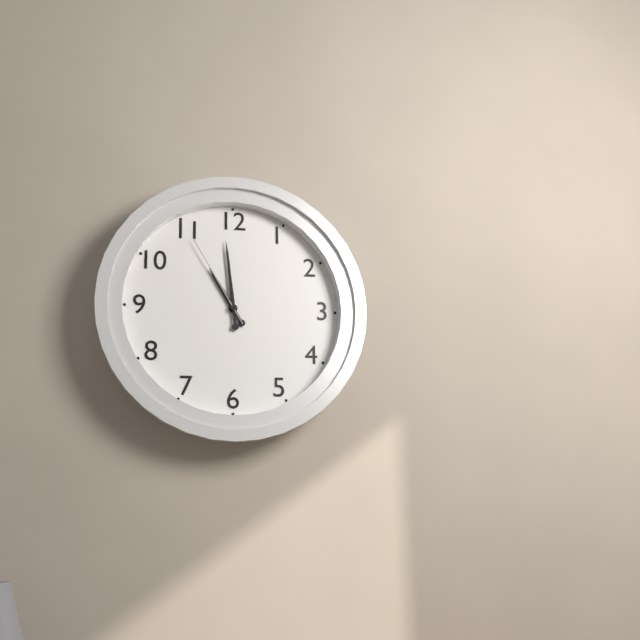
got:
h=10 m=59 s=55
